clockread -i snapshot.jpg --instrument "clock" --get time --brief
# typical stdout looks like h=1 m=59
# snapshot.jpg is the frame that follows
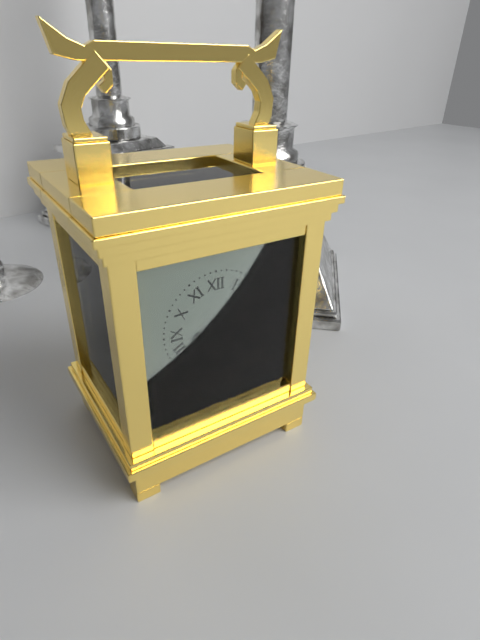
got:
h=8 m=24
